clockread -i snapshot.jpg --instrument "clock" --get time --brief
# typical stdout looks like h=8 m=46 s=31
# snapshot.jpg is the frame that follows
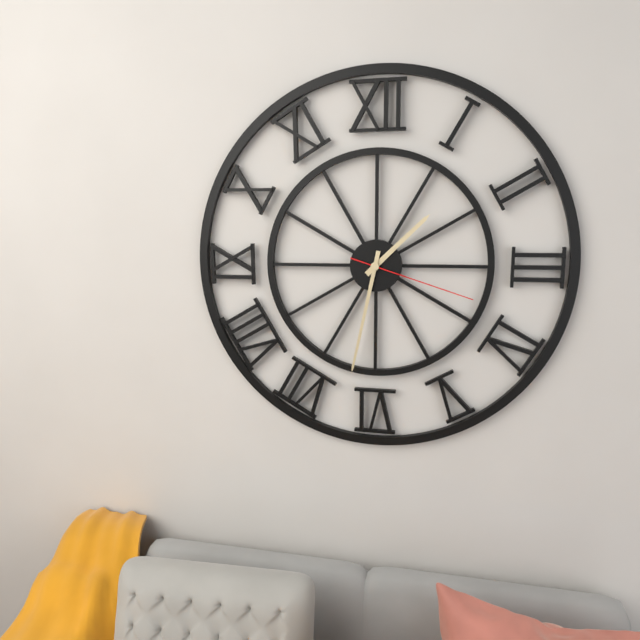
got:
h=1 m=32 s=18
